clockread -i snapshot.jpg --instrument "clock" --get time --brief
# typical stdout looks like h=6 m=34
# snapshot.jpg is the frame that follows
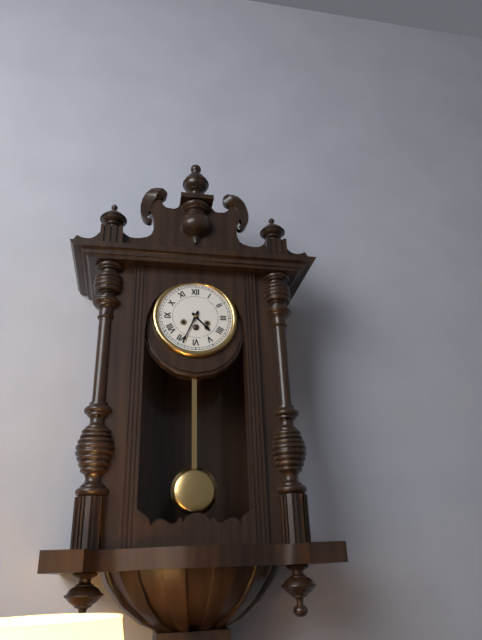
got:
h=4 m=34
